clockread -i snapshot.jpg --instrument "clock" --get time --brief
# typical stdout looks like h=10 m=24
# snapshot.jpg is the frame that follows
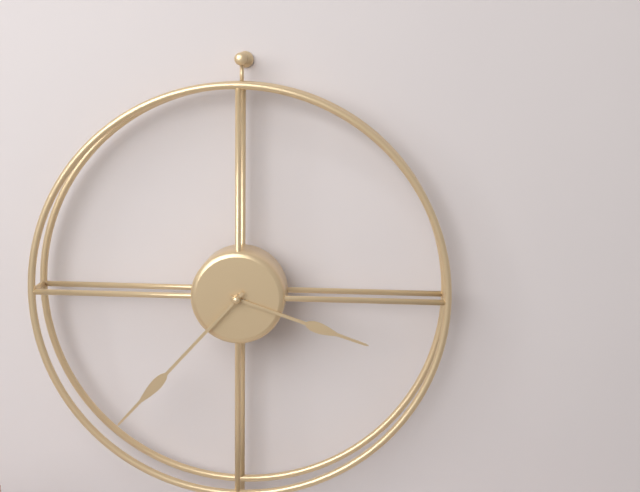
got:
h=3 m=37
